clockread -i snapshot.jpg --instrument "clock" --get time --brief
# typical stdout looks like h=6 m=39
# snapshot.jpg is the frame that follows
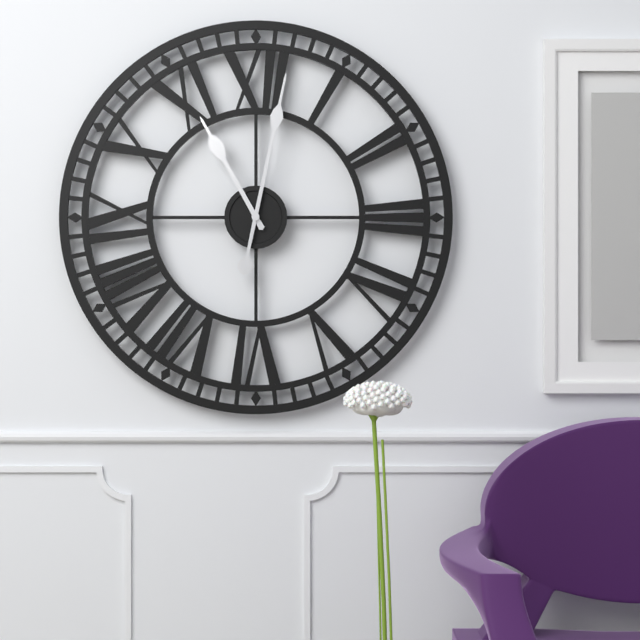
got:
h=11 m=2
